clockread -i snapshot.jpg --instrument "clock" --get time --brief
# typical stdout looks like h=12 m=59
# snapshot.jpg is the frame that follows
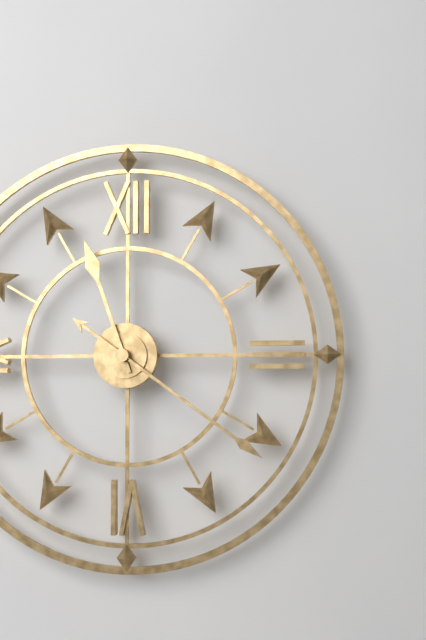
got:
h=11 m=21
